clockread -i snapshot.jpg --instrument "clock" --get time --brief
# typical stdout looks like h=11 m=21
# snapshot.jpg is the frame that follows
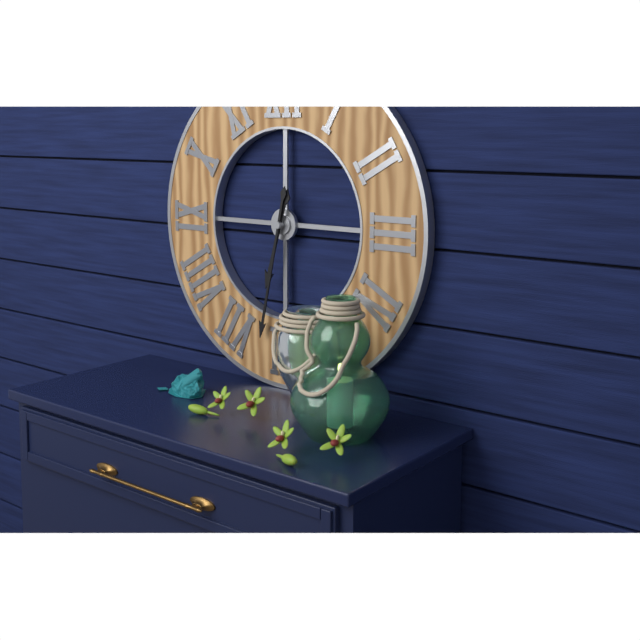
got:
h=6 m=32
